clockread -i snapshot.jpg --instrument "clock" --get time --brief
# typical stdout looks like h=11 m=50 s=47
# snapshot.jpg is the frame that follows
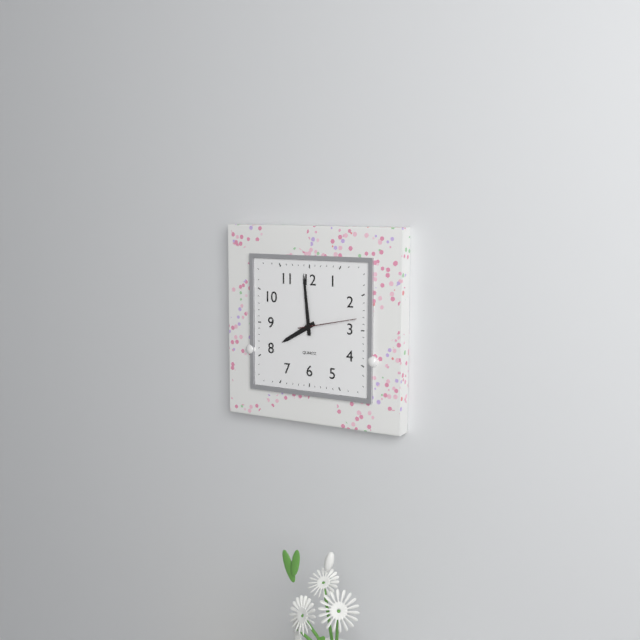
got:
h=7 m=59 s=13
